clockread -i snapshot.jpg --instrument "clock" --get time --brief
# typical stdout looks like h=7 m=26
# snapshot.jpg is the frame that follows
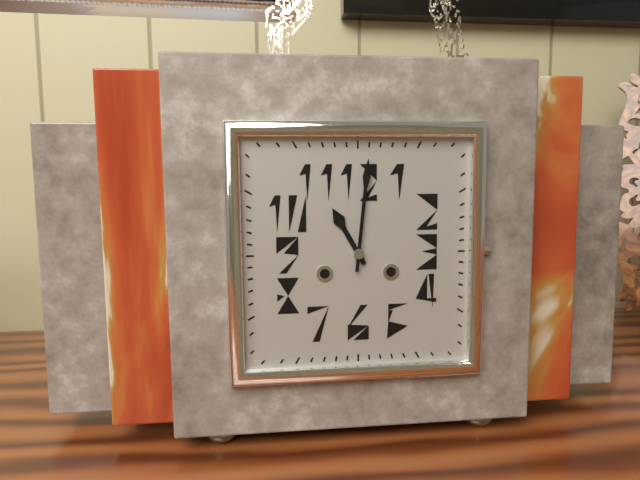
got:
h=11 m=1
